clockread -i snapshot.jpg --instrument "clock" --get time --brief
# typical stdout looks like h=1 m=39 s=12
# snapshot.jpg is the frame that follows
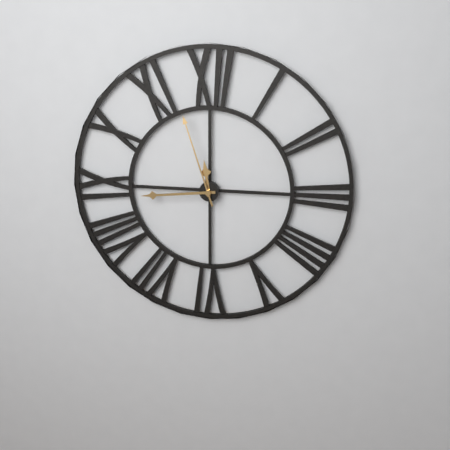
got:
h=11 m=44 s=57
